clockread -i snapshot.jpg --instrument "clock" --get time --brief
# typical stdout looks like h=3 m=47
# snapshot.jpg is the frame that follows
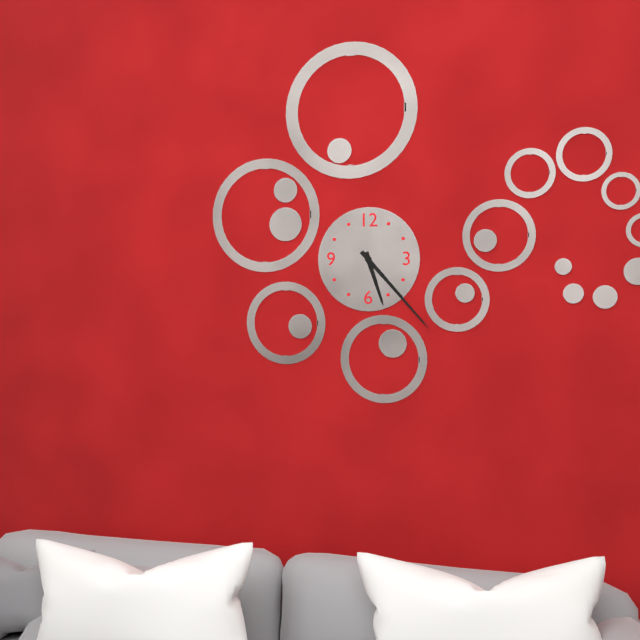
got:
h=5 m=23
